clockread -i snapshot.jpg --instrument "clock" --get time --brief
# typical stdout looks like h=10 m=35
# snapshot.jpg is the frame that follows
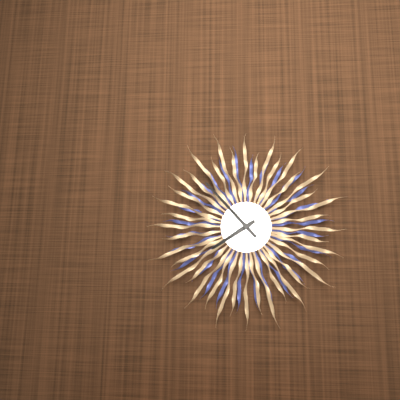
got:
h=7 m=53
